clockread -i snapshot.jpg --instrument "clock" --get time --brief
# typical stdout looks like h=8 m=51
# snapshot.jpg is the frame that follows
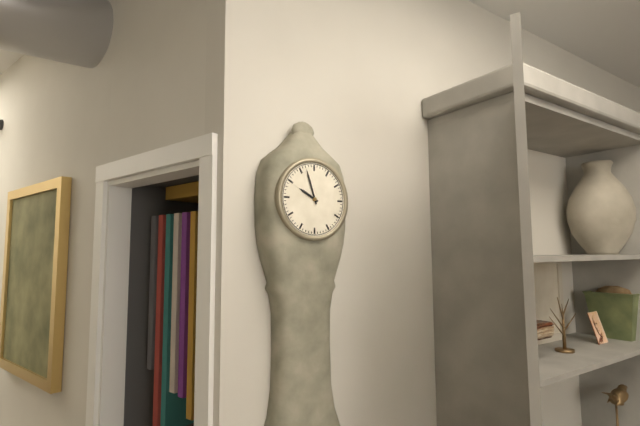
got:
h=9 m=57
